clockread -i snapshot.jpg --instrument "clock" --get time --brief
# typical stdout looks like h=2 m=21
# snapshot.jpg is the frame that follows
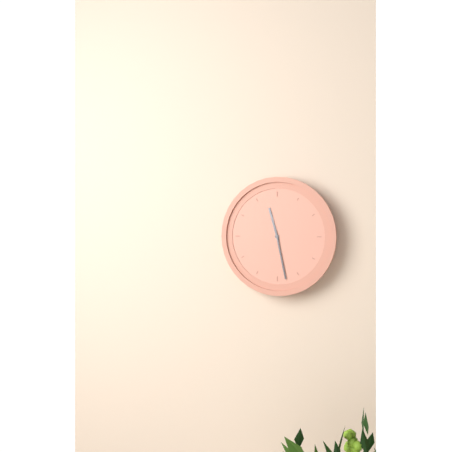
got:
h=11 m=28
